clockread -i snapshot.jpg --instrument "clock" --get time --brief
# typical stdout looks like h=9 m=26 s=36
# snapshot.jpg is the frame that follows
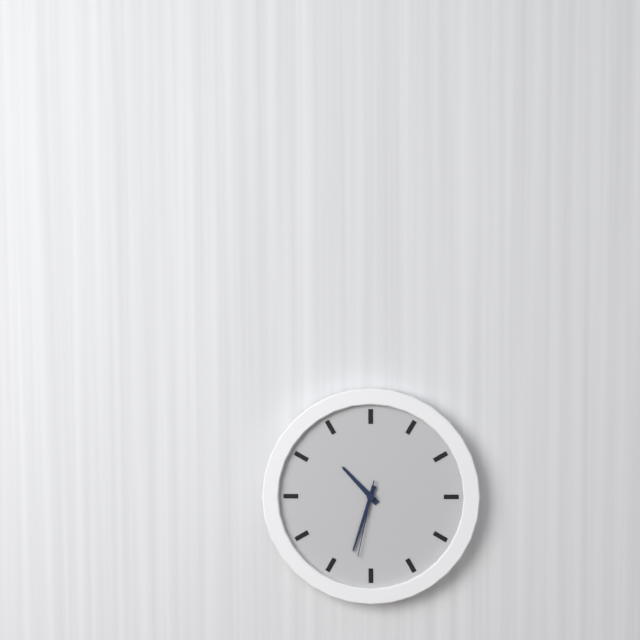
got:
h=10 m=33 s=32
